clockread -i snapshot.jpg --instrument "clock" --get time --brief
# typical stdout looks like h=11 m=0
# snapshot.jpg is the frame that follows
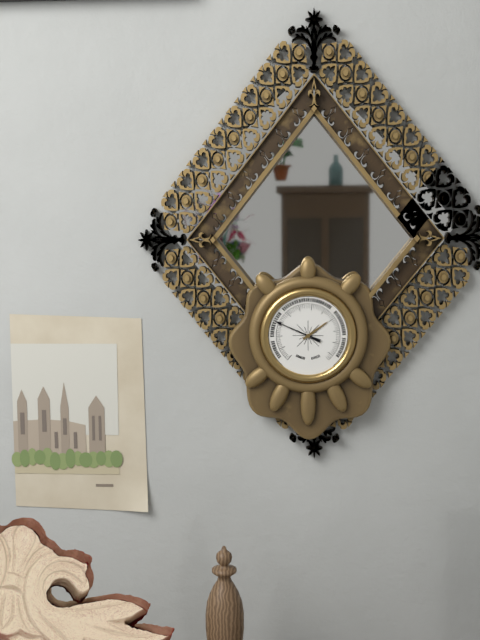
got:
h=1 m=49
